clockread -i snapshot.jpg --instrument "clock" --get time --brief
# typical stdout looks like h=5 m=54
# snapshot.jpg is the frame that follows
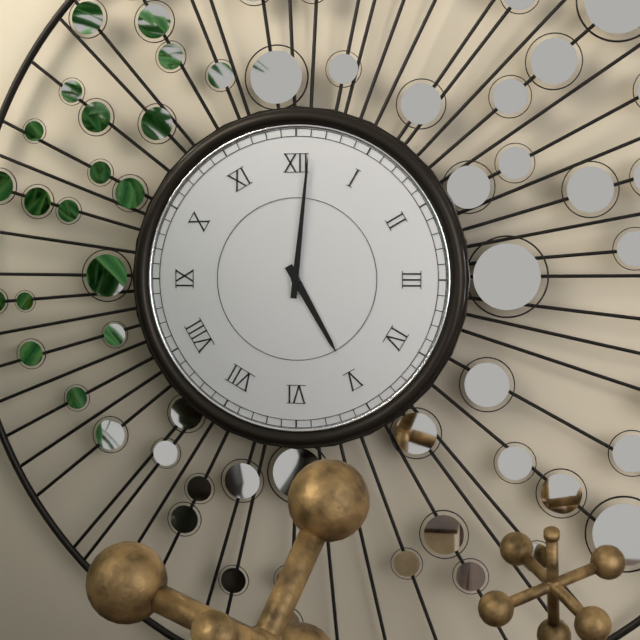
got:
h=5 m=1
